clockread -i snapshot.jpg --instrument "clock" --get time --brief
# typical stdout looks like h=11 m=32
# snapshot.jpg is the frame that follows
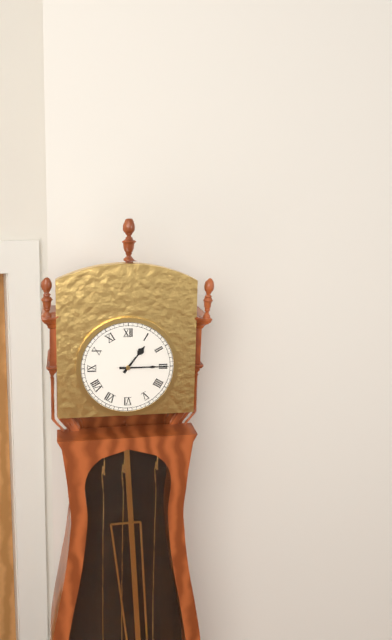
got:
h=1 m=15
